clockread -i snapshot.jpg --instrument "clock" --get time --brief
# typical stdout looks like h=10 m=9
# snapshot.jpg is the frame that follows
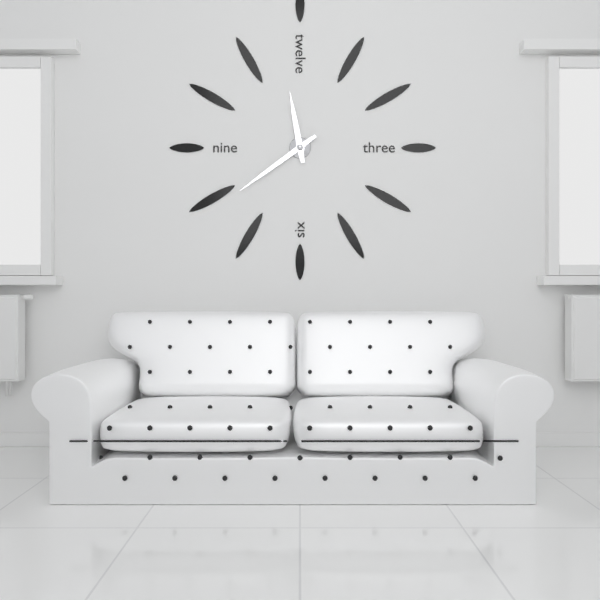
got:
h=11 m=39
